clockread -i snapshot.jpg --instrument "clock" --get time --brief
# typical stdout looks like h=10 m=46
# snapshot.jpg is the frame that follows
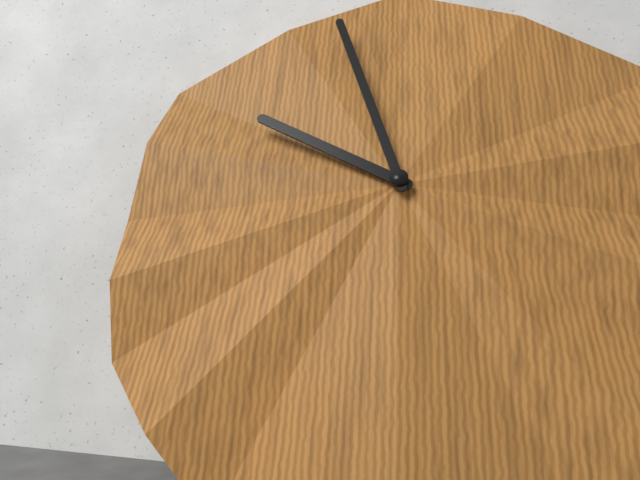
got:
h=9 m=57
